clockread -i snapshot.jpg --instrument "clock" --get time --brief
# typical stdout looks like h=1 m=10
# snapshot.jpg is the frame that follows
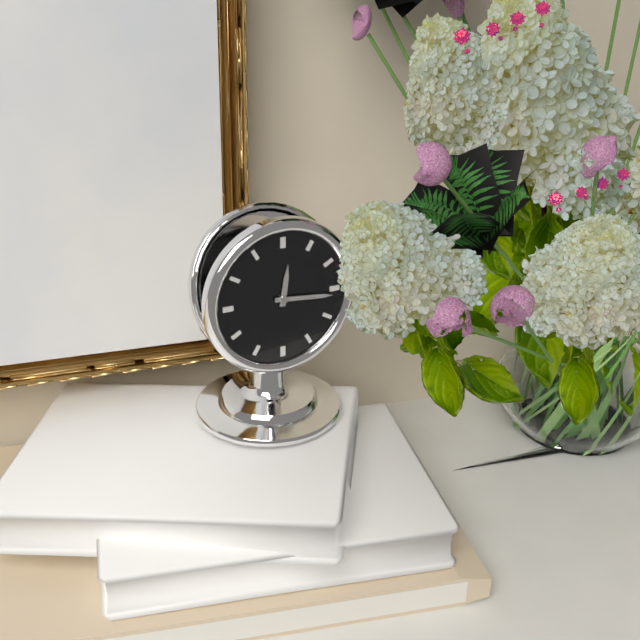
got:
h=12 m=16
